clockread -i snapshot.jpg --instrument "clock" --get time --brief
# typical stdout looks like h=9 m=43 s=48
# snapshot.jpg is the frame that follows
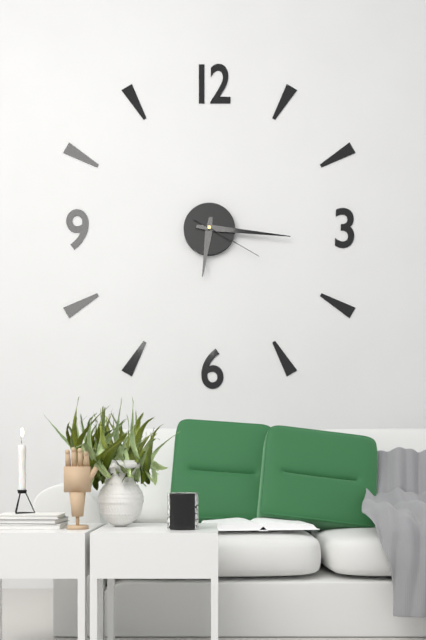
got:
h=6 m=16 s=20
